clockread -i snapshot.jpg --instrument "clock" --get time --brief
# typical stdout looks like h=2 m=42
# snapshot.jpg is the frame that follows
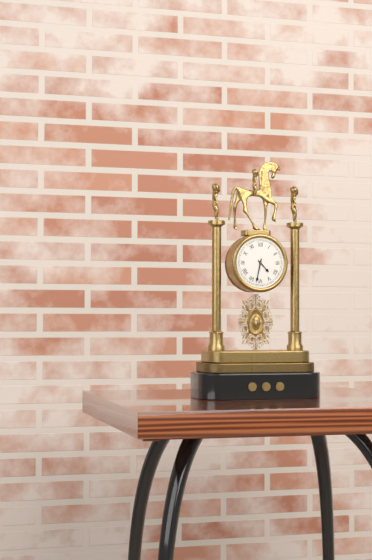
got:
h=4 m=32
